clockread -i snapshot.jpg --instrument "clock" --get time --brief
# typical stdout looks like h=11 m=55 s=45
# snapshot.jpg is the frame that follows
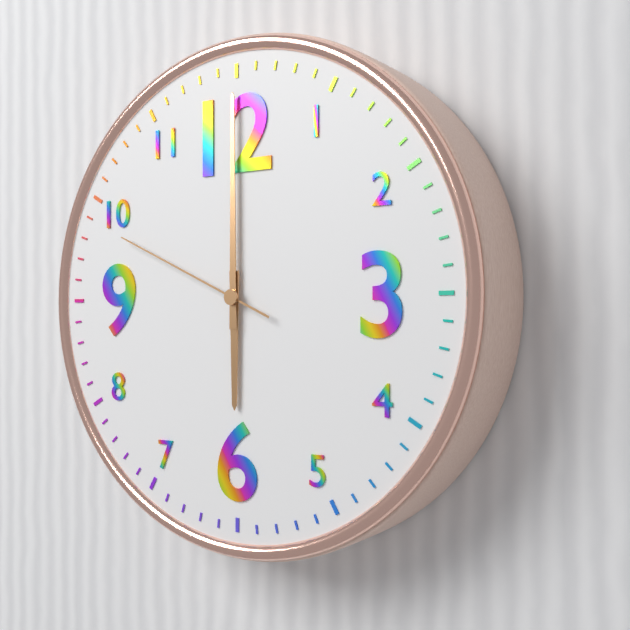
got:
h=6 m=0 s=49
